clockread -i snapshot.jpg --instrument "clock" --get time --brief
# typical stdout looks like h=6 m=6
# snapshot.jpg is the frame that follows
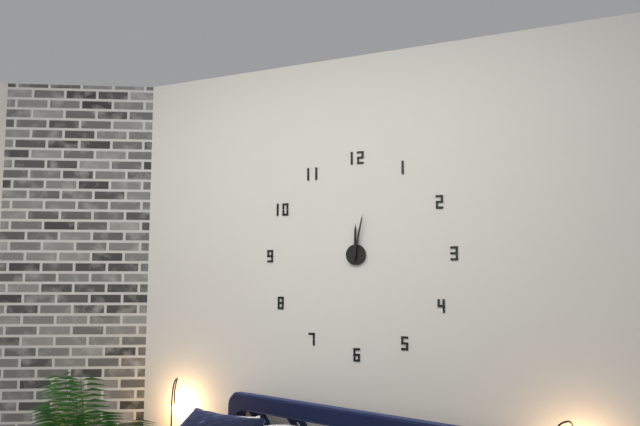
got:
h=12 m=2
